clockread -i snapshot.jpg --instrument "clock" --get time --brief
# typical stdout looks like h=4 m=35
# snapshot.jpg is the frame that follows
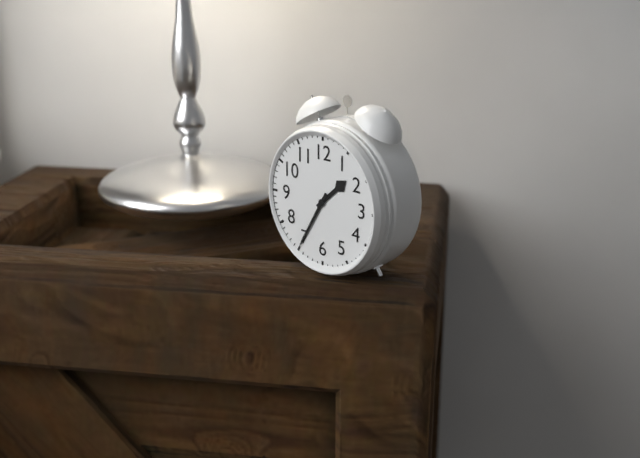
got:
h=1 m=35
